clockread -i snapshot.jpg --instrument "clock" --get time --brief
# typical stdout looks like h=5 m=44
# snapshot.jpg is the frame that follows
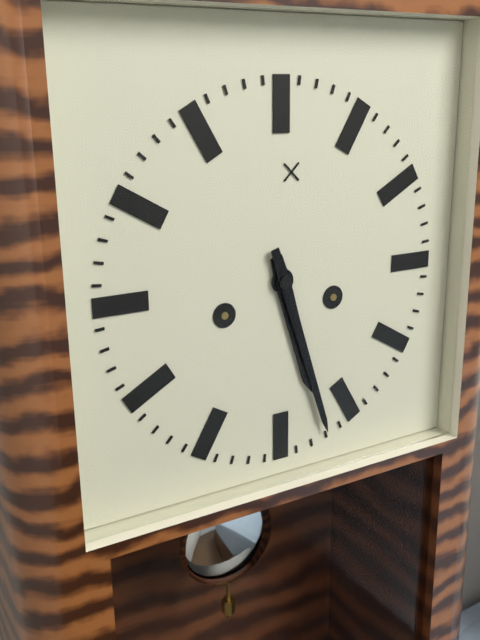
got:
h=5 m=27
